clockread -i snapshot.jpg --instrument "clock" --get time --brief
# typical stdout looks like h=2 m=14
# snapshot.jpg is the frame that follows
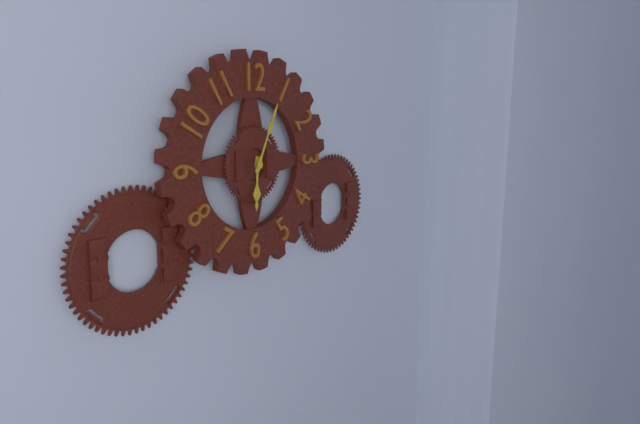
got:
h=6 m=4
